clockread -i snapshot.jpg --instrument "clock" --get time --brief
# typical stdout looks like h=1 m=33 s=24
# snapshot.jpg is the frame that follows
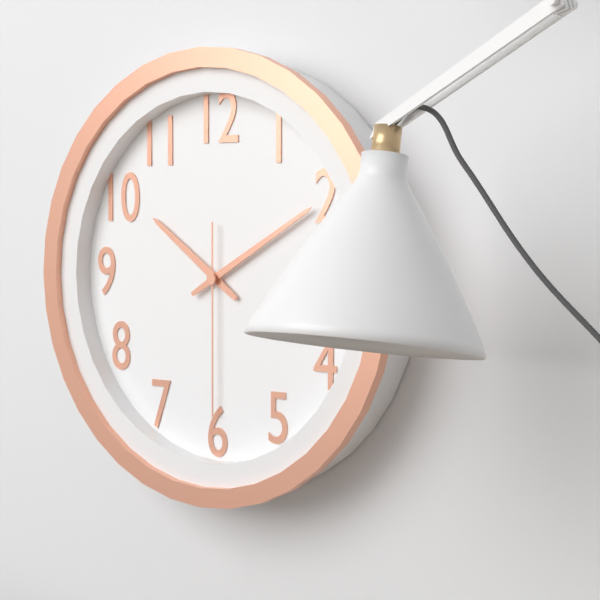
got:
h=10 m=10 s=30
